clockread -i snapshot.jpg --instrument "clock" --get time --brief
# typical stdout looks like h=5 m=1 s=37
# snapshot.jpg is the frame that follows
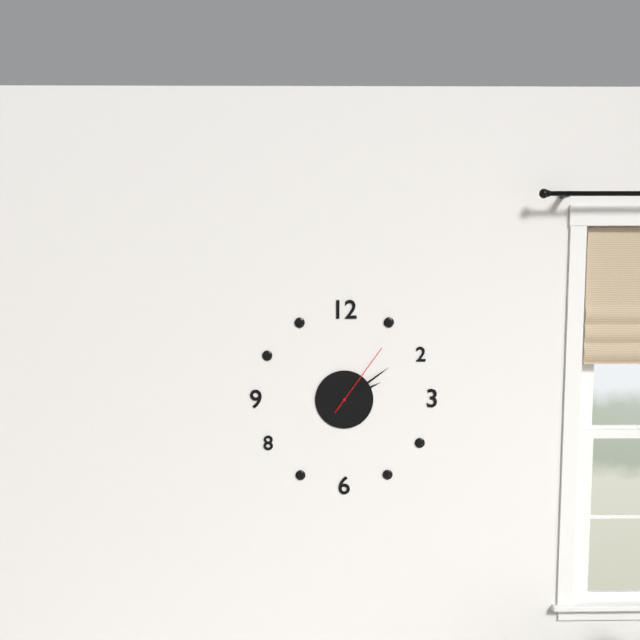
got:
h=2 m=9 s=6
